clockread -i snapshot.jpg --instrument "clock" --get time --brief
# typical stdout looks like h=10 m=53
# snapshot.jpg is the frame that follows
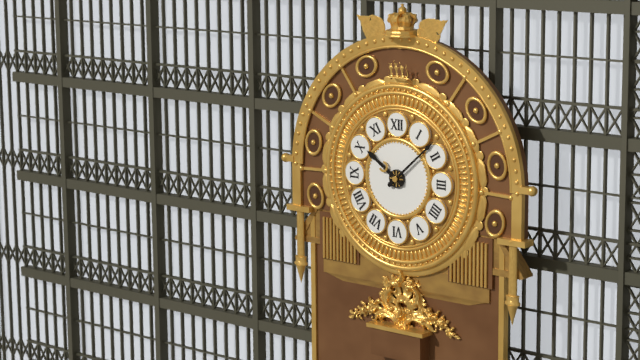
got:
h=10 m=8
